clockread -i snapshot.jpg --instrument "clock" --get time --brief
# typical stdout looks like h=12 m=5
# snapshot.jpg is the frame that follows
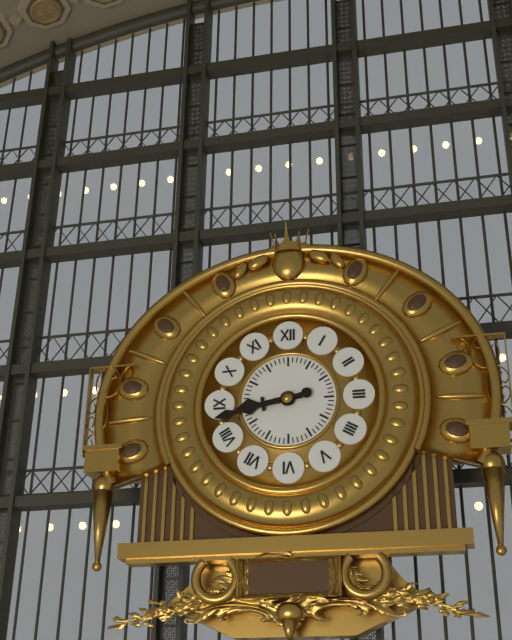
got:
h=8 m=43
